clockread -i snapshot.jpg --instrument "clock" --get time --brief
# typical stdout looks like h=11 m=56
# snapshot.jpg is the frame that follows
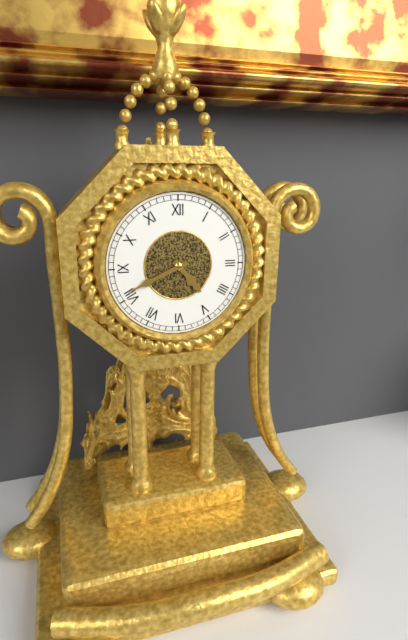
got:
h=4 m=41
